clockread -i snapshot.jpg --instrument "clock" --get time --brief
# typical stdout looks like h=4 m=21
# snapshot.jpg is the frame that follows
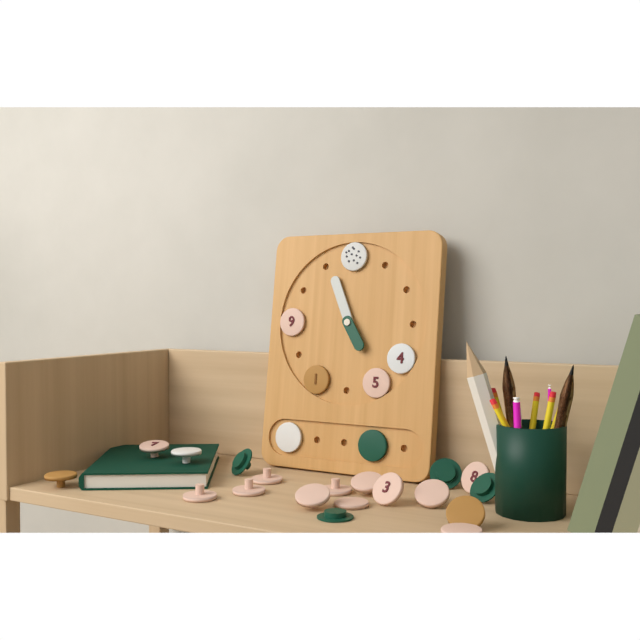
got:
h=4 m=56
